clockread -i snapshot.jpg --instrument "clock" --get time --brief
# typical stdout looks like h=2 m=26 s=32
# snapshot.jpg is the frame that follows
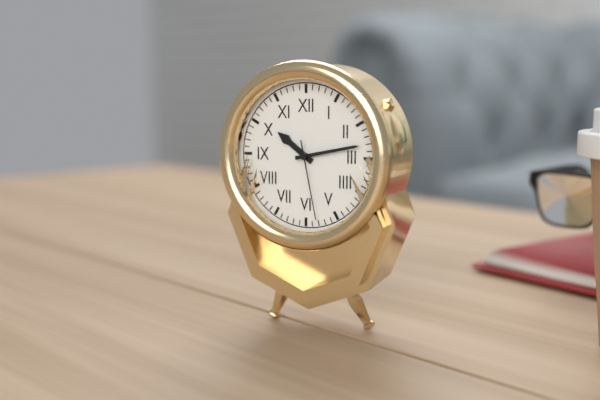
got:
h=10 m=13 s=28
